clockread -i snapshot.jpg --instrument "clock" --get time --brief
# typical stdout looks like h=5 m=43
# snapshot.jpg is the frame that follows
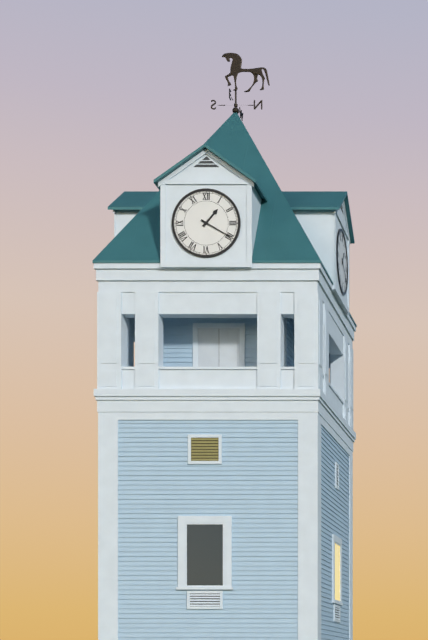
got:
h=1 m=20
